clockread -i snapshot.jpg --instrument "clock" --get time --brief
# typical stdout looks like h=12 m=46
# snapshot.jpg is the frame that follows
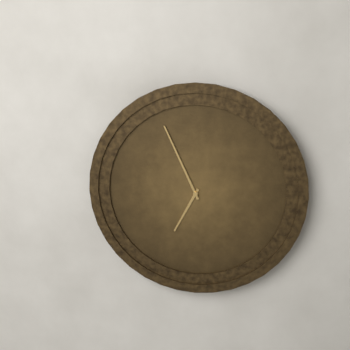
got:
h=6 m=56
